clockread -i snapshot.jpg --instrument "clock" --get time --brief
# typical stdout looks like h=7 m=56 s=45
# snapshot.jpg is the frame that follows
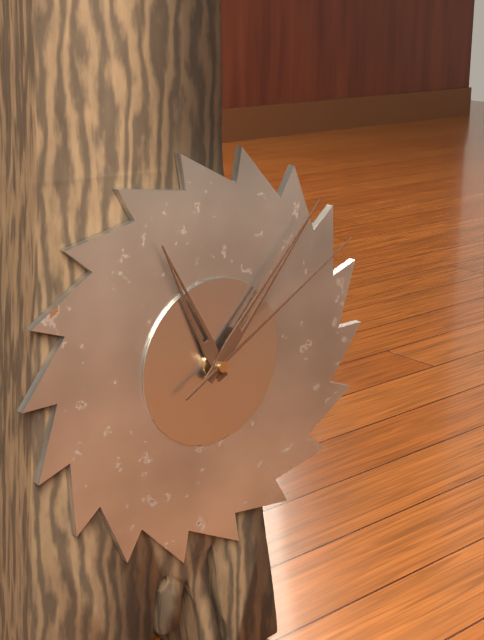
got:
h=11 m=7 s=10
